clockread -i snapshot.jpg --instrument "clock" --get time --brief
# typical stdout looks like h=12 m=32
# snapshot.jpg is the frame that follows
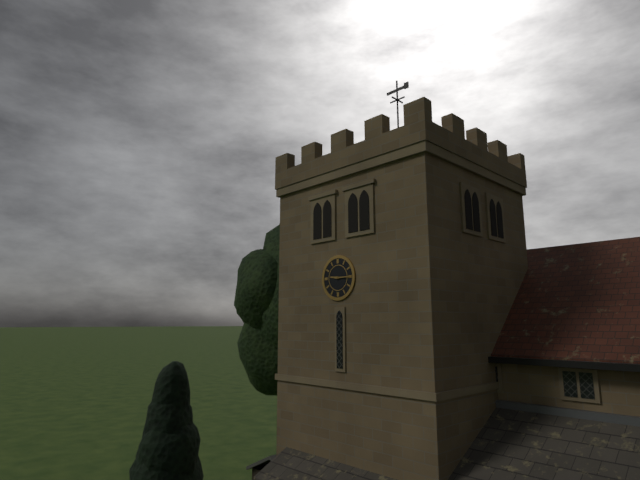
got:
h=9 m=15
